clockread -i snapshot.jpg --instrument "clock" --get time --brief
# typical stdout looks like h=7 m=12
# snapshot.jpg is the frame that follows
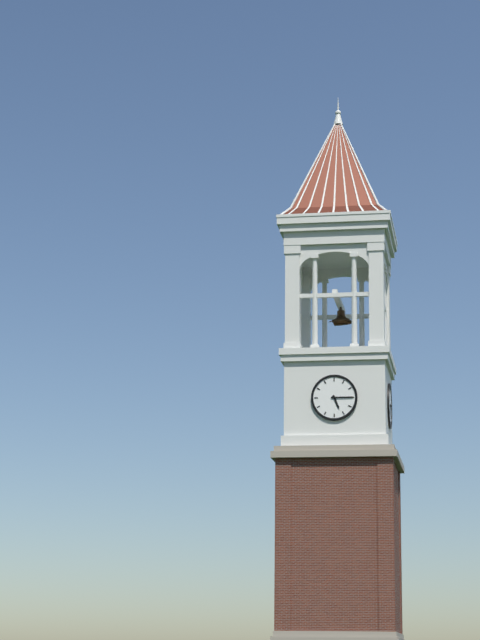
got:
h=5 m=15
